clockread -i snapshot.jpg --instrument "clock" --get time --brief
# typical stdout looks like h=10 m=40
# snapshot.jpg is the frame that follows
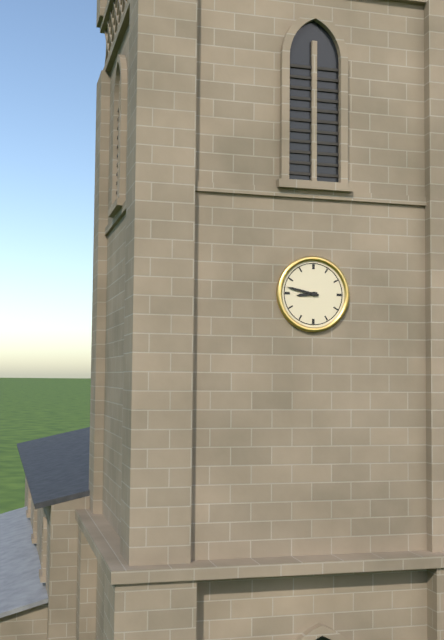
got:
h=8 m=47
